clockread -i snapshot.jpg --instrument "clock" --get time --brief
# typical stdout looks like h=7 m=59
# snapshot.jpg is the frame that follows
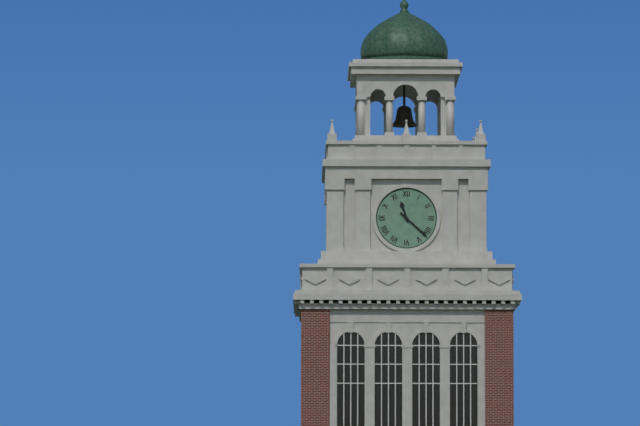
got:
h=11 m=22
